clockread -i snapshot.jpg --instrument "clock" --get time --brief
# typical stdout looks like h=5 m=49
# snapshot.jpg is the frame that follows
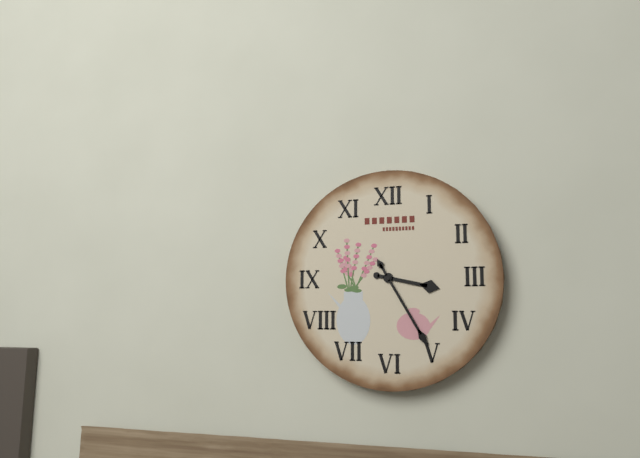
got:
h=3 m=25
